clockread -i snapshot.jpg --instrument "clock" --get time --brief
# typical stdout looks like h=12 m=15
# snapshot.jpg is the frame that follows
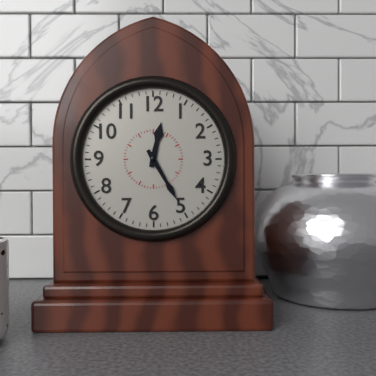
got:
h=12 m=25
